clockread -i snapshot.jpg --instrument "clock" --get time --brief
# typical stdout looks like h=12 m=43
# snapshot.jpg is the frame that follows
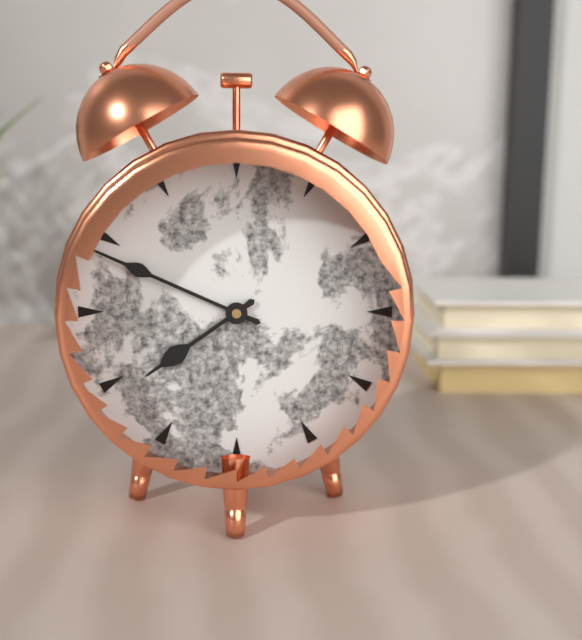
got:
h=7 m=49
